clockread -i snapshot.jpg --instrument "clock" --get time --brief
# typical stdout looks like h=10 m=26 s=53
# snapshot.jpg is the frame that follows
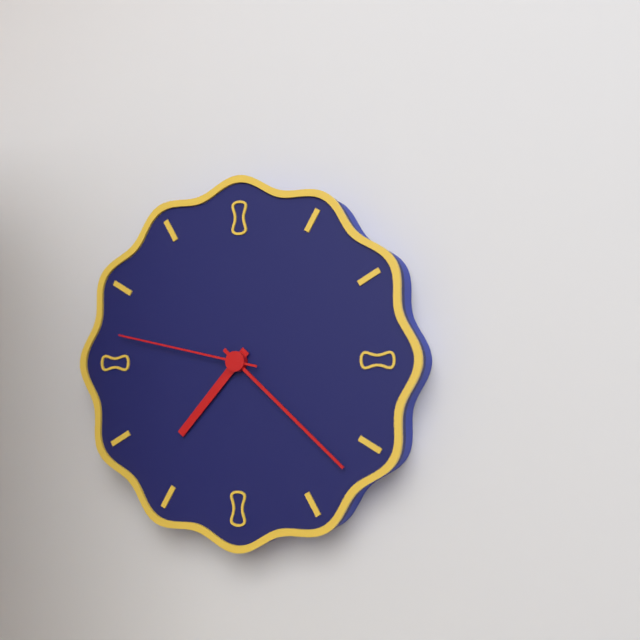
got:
h=7 m=22 s=47
